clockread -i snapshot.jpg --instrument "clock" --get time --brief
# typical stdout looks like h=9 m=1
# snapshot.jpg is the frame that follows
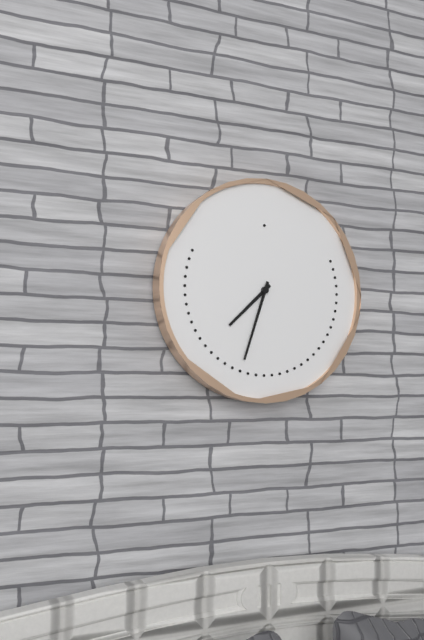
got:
h=7 m=33
